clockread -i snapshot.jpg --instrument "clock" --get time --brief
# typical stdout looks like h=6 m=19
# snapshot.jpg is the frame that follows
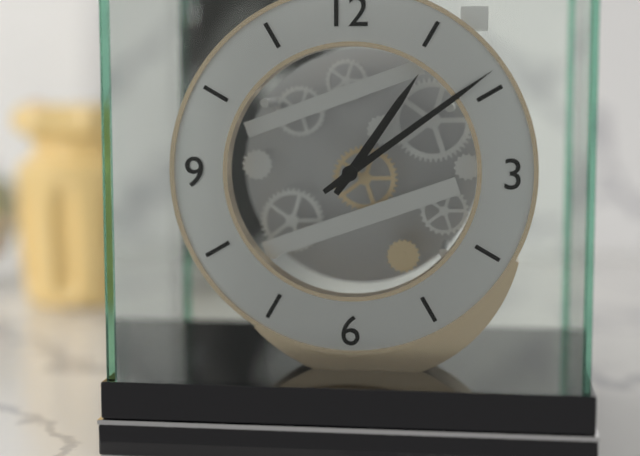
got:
h=1 m=9
